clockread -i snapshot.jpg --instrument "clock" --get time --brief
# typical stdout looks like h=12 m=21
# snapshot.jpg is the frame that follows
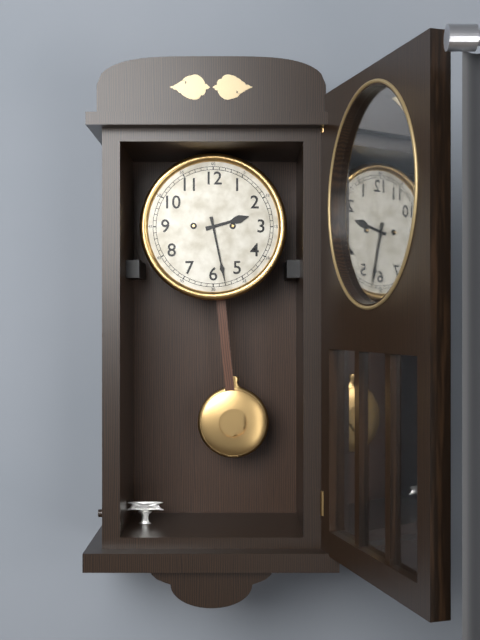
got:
h=2 m=28
